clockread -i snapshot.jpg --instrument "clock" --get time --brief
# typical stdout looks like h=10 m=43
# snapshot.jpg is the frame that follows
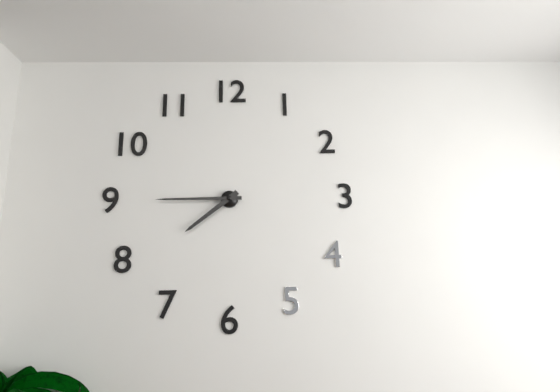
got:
h=7 m=45
